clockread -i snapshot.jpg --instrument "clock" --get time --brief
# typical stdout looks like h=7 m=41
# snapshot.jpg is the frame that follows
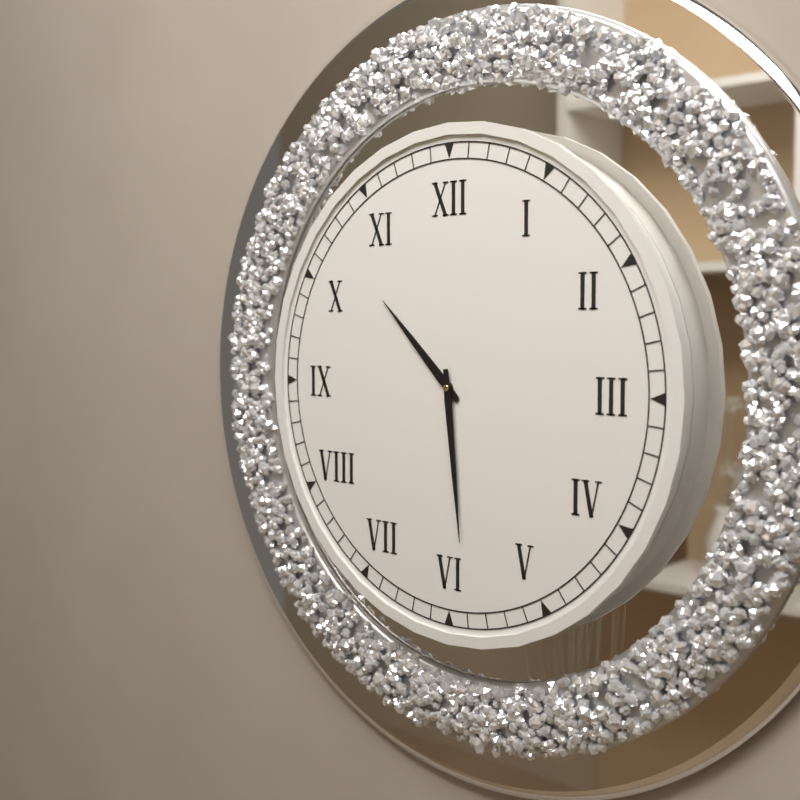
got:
h=10 m=29
